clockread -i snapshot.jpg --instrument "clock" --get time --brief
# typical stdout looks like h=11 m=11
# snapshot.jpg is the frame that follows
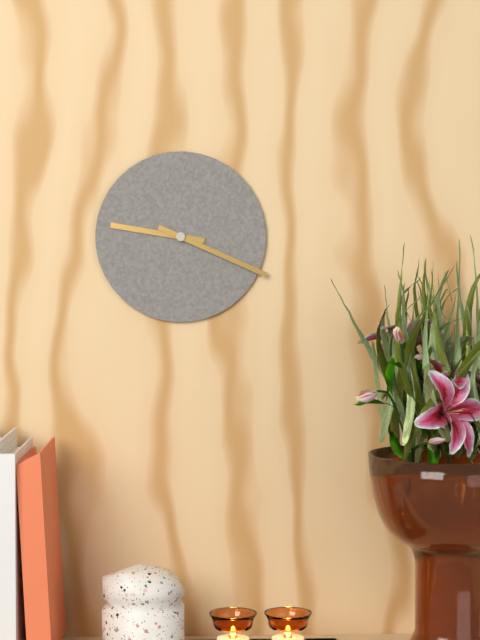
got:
h=9 m=19
